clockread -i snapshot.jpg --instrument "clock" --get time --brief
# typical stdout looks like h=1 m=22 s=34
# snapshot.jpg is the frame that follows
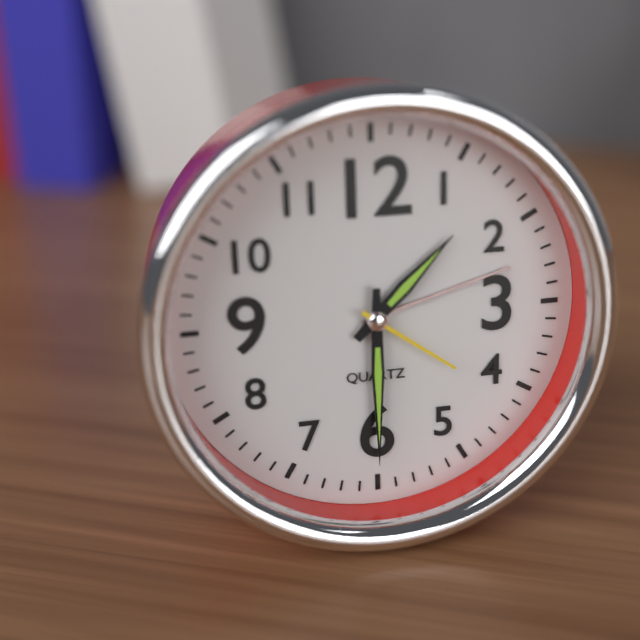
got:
h=1 m=30 s=21
